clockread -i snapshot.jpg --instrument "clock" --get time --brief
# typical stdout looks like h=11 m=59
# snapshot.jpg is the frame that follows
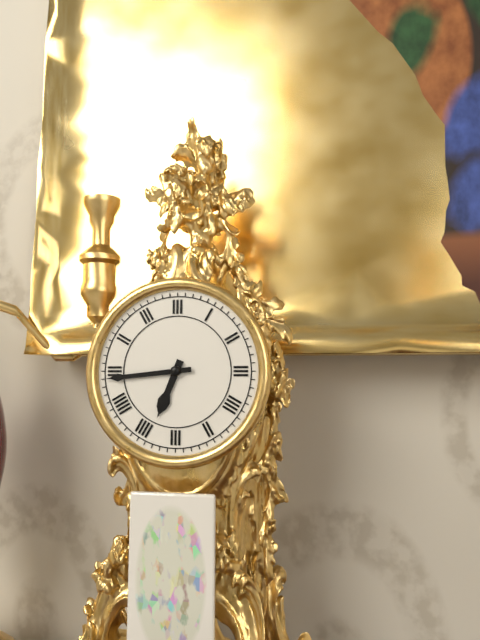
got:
h=6 m=44
